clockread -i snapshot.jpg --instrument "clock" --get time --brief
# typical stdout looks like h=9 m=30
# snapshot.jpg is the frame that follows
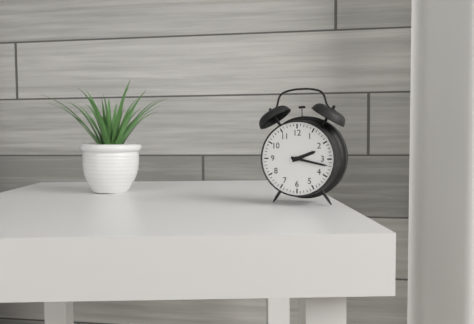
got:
h=2 m=17
